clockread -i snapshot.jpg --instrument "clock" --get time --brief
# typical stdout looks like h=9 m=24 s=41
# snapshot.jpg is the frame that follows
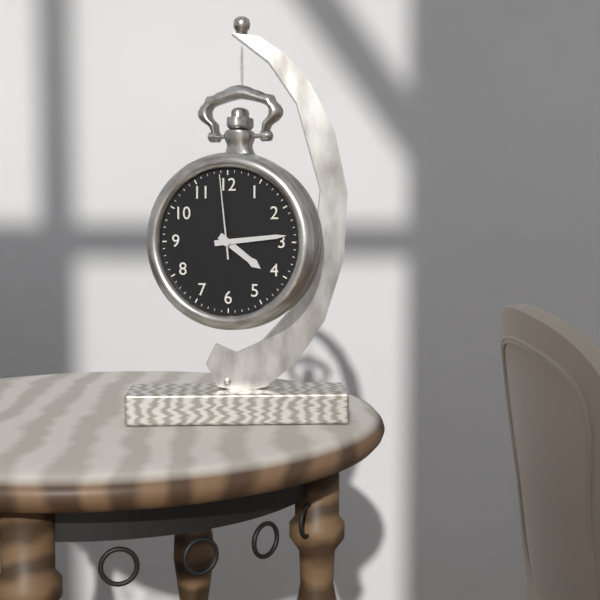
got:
h=4 m=14 s=59
